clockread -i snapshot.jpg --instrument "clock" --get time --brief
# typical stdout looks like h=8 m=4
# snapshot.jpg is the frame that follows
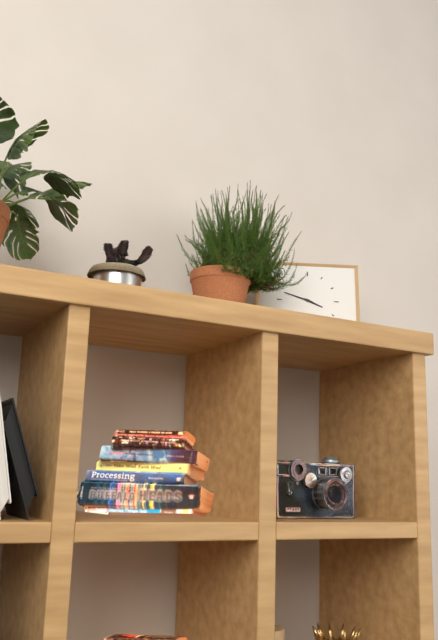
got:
h=3 m=48
